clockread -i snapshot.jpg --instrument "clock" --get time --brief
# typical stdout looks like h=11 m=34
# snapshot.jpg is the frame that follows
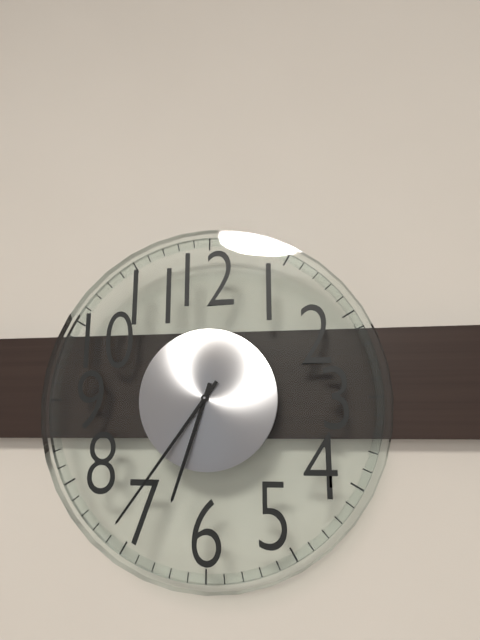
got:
h=6 m=36
